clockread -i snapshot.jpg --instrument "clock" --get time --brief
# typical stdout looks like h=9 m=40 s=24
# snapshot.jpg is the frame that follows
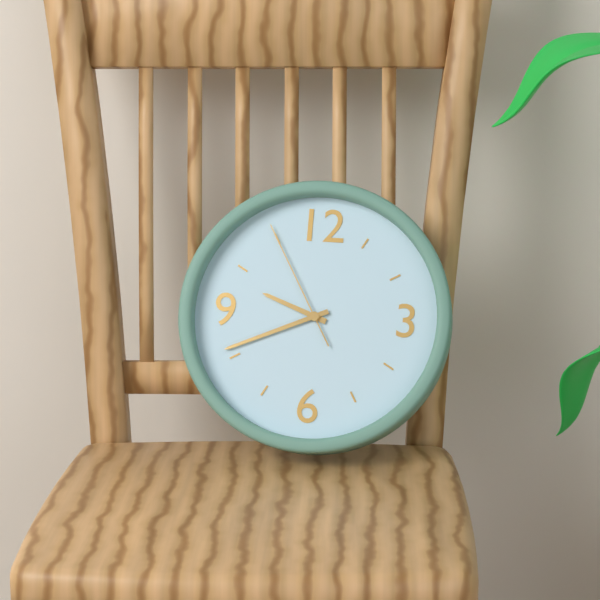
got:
h=9 m=41 s=55
